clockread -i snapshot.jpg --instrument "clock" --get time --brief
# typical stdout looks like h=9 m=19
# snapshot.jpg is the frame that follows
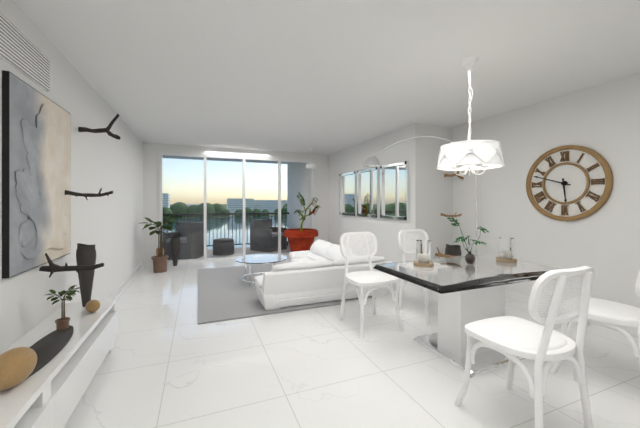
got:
h=5 m=48
